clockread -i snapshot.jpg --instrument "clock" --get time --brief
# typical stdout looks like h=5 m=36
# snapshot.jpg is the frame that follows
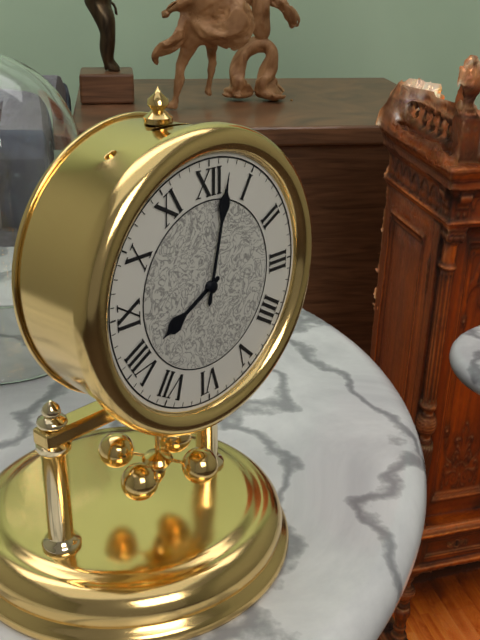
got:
h=8 m=2
